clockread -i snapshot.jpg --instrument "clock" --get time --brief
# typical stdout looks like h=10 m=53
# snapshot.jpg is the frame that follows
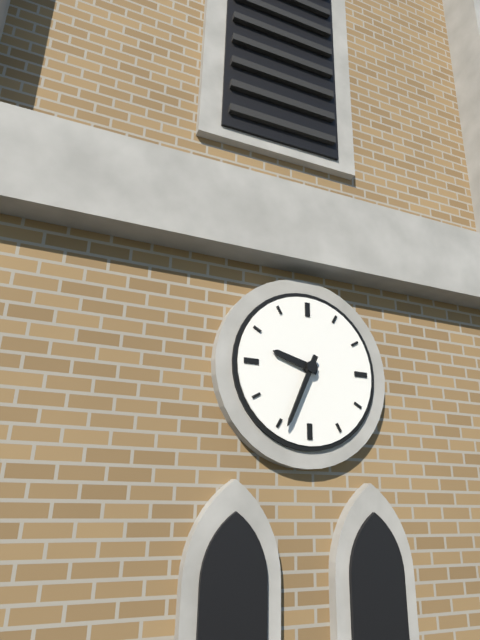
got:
h=9 m=34
